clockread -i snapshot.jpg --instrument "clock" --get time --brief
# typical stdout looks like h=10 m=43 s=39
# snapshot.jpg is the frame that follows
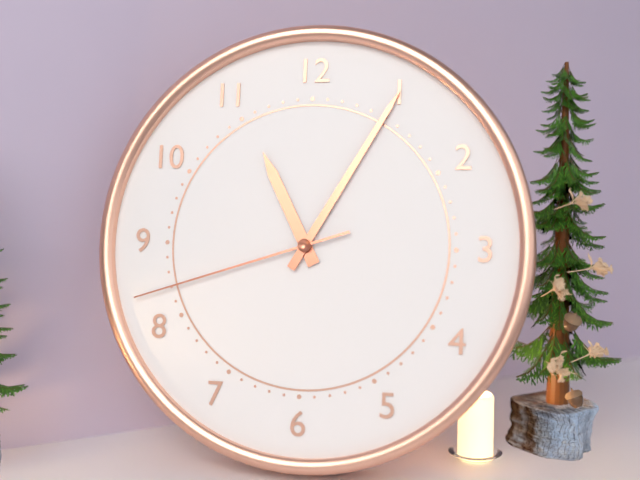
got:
h=11 m=5 s=42
